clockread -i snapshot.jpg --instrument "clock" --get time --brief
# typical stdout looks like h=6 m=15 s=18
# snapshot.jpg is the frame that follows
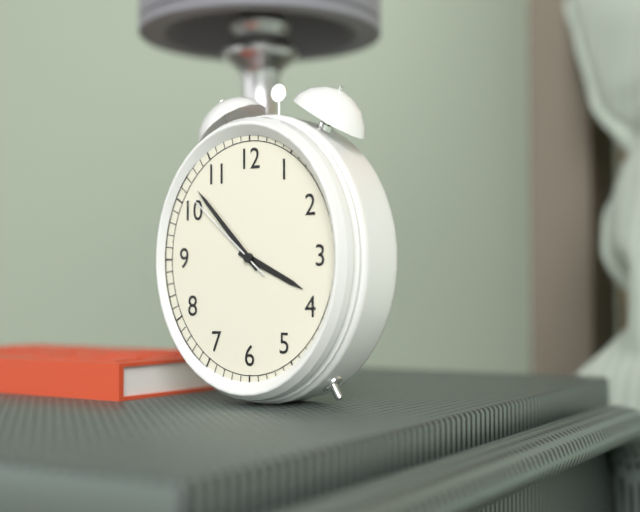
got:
h=3 m=53 s=52
